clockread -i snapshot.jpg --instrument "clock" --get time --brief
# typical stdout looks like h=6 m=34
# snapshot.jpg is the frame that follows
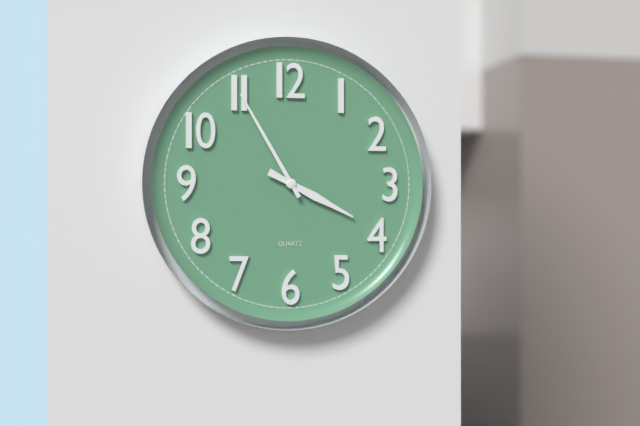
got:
h=3 m=55
